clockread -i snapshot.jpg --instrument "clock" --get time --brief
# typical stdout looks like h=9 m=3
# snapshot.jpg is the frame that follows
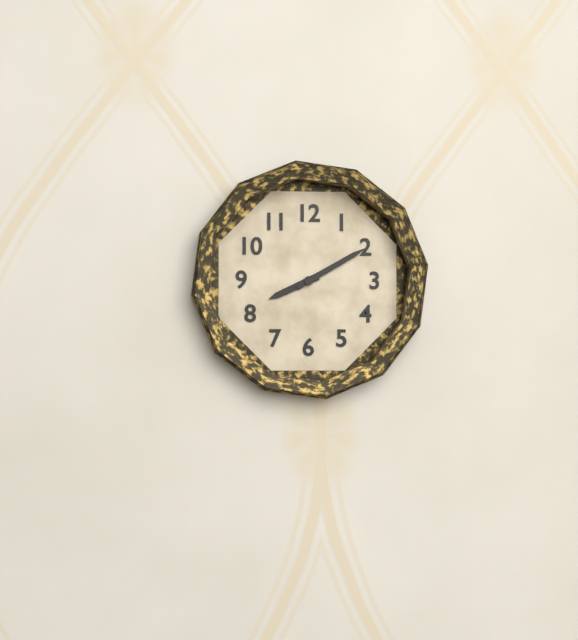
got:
h=8 m=10
